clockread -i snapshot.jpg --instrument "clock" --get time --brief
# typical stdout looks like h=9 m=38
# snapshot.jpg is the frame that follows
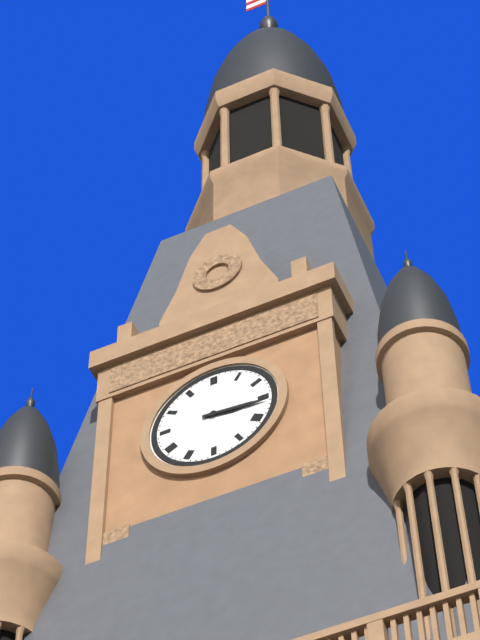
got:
h=3 m=16
